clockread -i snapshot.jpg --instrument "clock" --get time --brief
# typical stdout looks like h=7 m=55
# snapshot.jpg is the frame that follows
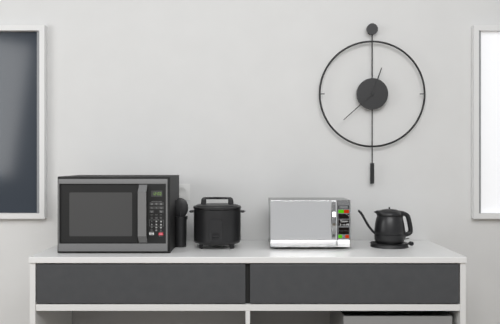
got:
h=12 m=38
